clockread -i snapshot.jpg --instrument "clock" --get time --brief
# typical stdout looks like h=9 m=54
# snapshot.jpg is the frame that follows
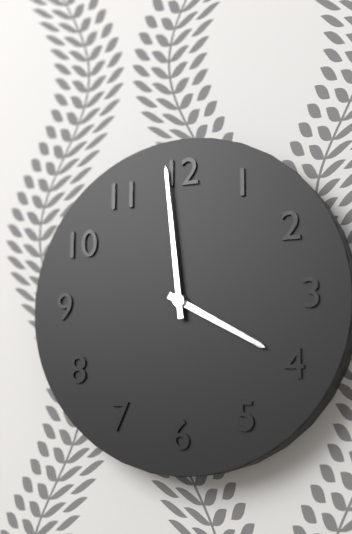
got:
h=3 m=59
